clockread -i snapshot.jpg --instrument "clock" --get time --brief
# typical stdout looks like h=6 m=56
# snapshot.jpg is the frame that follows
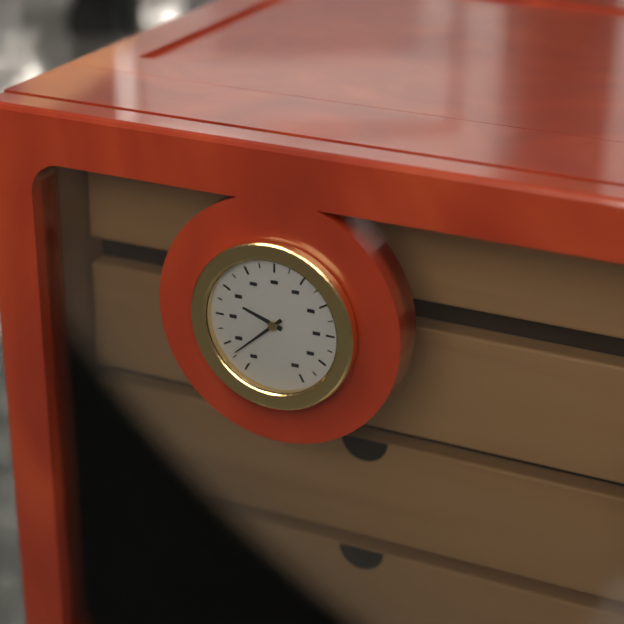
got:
h=9 m=38
